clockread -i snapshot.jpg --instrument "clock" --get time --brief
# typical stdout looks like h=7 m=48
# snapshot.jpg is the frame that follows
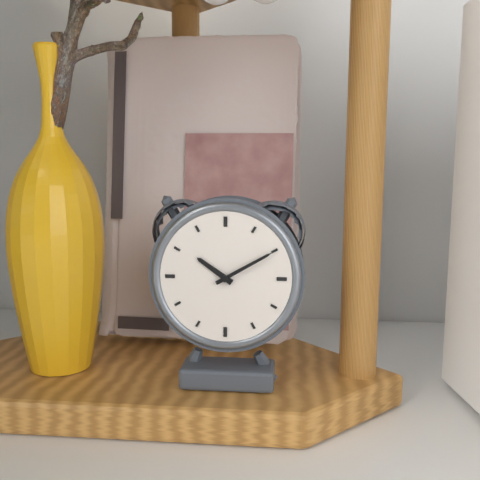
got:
h=10 m=10
